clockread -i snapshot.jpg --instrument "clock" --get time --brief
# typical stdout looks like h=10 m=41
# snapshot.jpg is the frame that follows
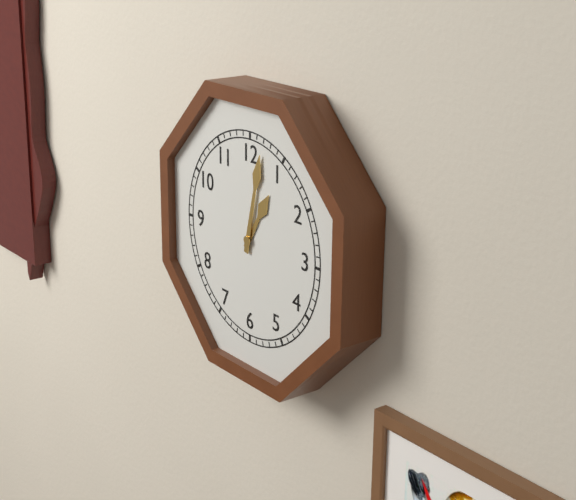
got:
h=1 m=2
